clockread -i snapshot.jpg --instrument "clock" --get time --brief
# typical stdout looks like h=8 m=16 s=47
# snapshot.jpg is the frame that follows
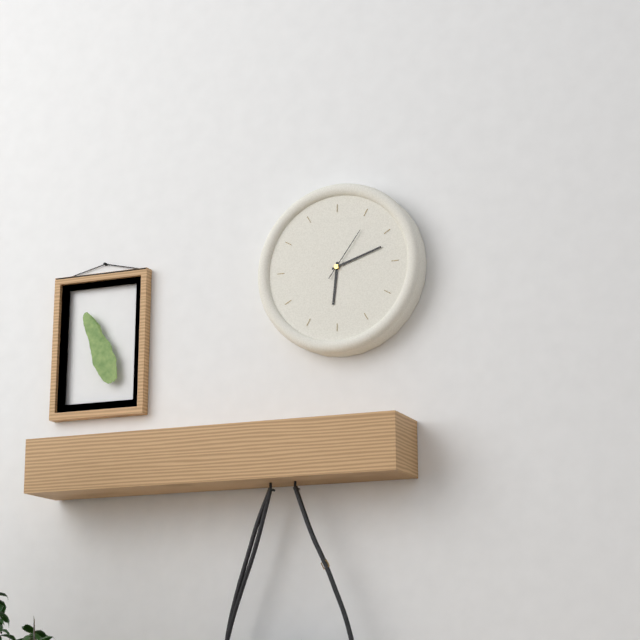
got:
h=6 m=12 s=6
